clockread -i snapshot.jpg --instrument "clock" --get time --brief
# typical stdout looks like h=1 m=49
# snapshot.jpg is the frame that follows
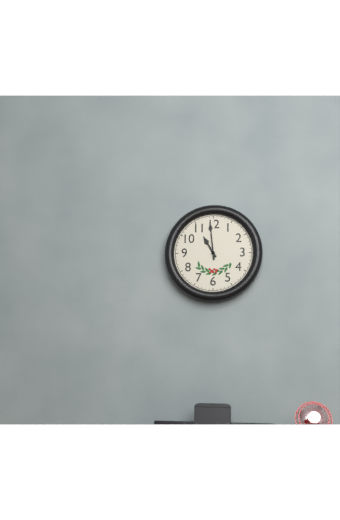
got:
h=10 m=59
